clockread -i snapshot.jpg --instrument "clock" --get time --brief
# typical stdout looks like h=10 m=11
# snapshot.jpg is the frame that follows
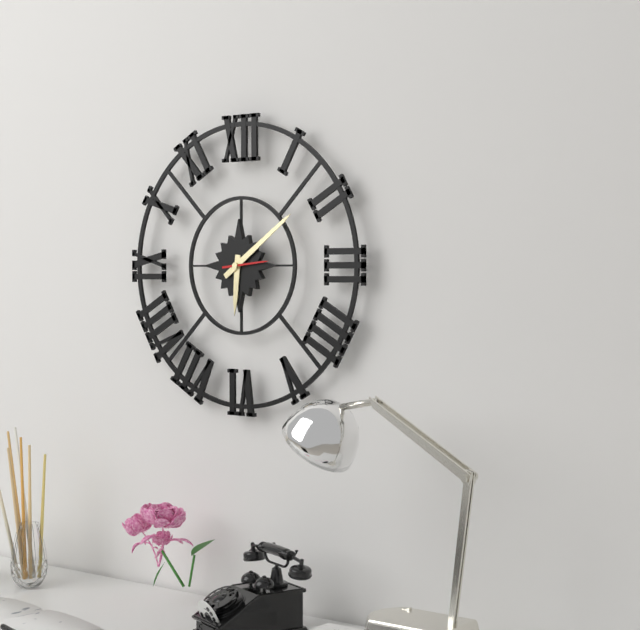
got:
h=6 m=9
